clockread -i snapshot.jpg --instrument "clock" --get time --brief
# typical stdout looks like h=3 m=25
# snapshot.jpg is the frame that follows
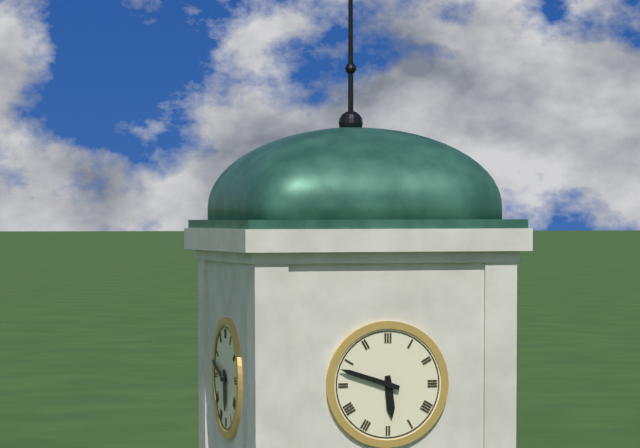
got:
h=5 m=48
